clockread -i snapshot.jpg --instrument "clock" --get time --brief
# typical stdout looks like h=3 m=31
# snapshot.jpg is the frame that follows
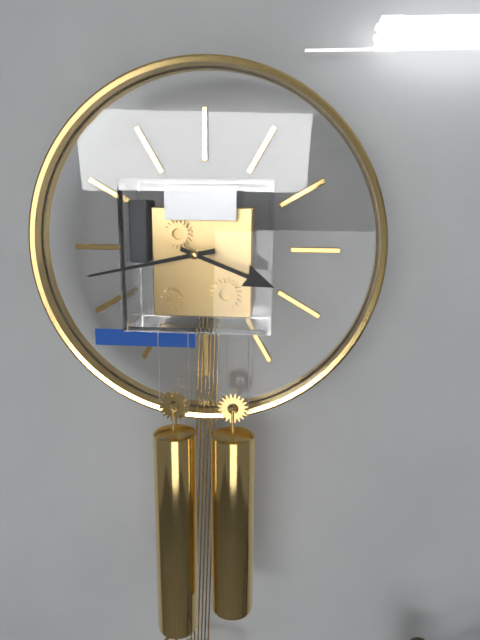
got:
h=3 m=43
